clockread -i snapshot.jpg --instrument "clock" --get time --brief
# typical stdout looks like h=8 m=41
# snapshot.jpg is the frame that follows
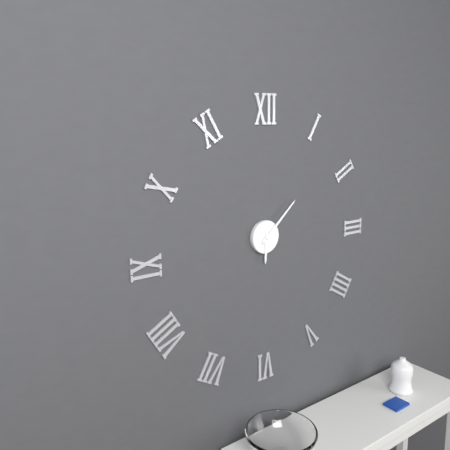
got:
h=6 m=8
